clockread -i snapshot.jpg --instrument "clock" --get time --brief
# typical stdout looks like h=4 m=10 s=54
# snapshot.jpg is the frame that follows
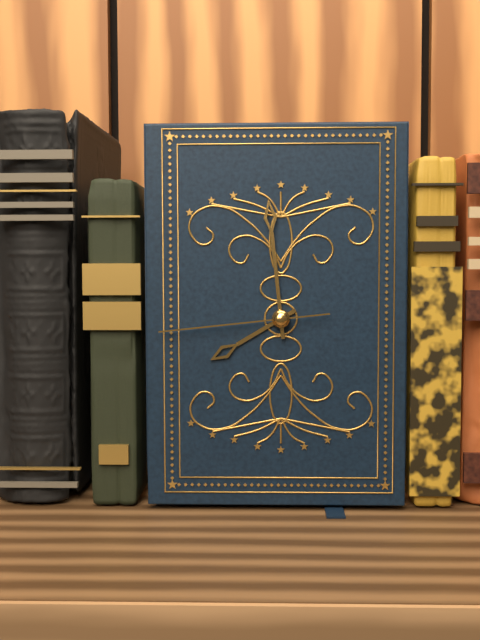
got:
h=7 m=59 s=44
